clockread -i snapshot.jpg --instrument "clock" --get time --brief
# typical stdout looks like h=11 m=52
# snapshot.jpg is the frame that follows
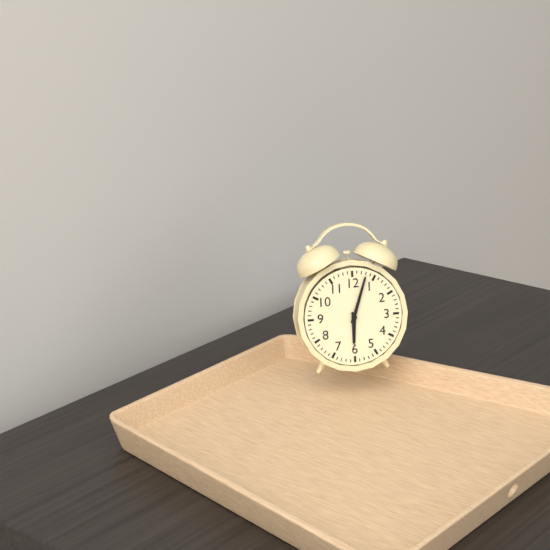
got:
h=6 m=3
